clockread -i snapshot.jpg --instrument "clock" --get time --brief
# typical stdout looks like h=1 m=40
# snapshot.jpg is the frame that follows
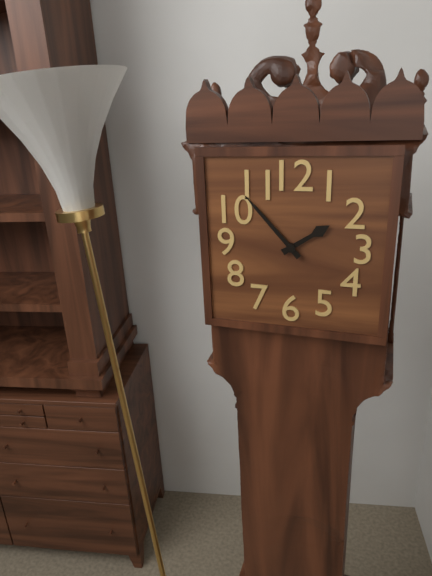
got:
h=1 m=53
